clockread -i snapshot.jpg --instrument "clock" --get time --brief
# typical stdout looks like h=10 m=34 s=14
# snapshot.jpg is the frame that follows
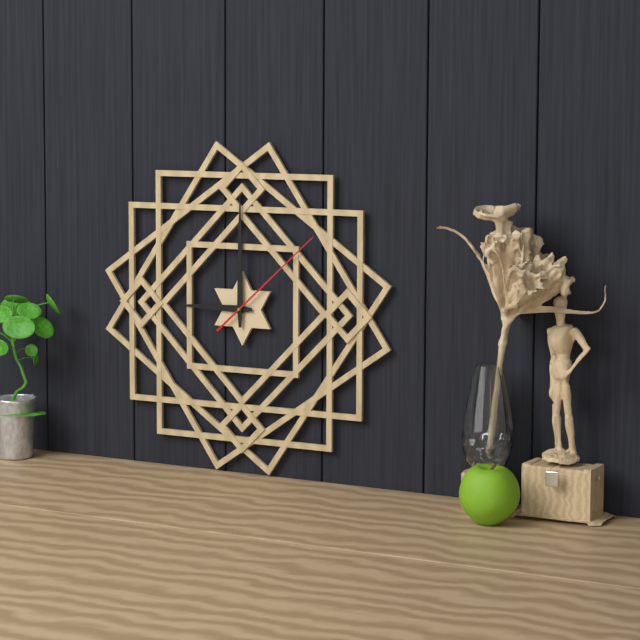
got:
h=9 m=0 s=8
